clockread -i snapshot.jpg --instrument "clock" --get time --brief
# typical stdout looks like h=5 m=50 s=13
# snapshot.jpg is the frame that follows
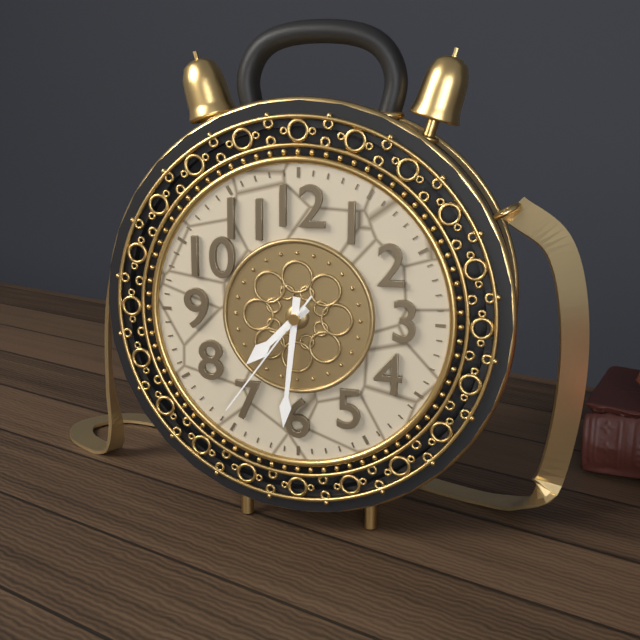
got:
h=7 m=31 s=36
